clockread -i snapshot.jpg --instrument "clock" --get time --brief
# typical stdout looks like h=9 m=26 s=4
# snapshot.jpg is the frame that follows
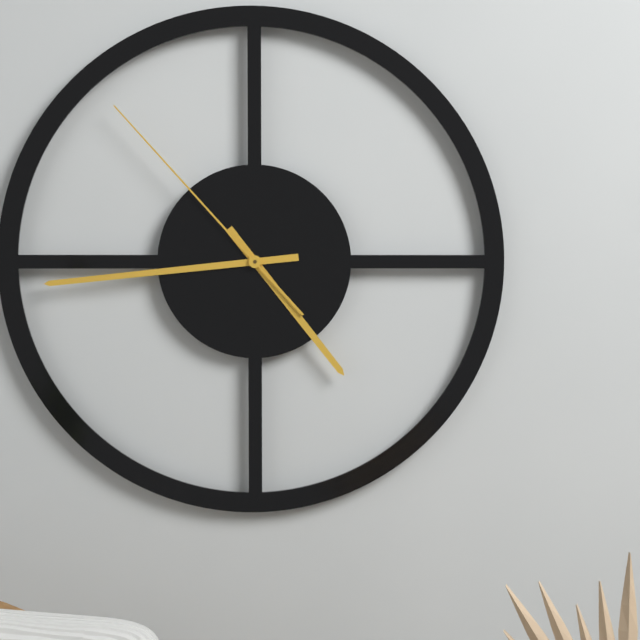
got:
h=4 m=44 s=53
